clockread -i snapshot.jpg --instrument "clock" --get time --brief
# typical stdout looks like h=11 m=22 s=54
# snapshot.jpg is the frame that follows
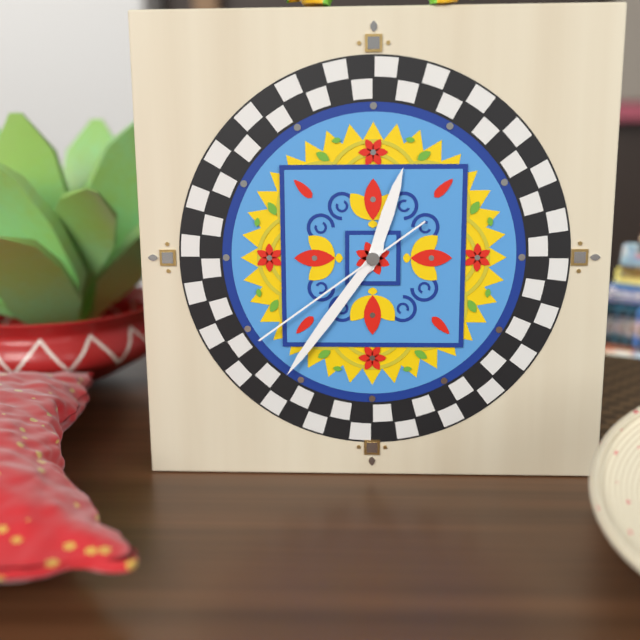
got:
h=12 m=36 s=39
